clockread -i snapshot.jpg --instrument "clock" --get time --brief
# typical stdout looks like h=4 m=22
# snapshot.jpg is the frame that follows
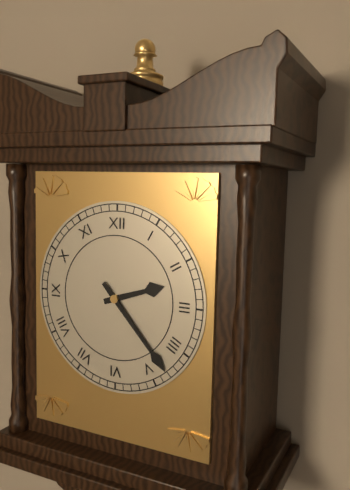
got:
h=2 m=23
